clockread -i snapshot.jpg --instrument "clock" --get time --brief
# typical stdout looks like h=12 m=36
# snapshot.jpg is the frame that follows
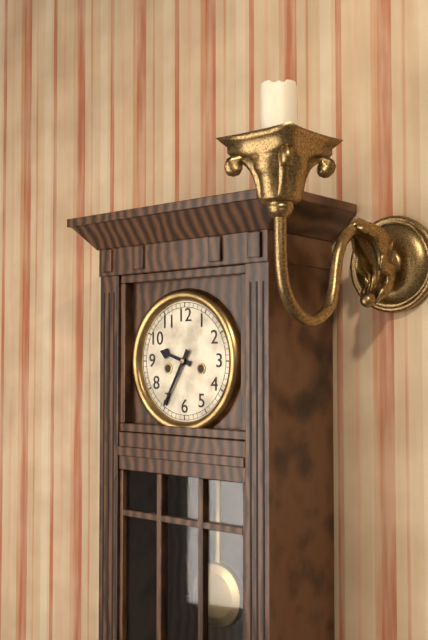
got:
h=9 m=35
